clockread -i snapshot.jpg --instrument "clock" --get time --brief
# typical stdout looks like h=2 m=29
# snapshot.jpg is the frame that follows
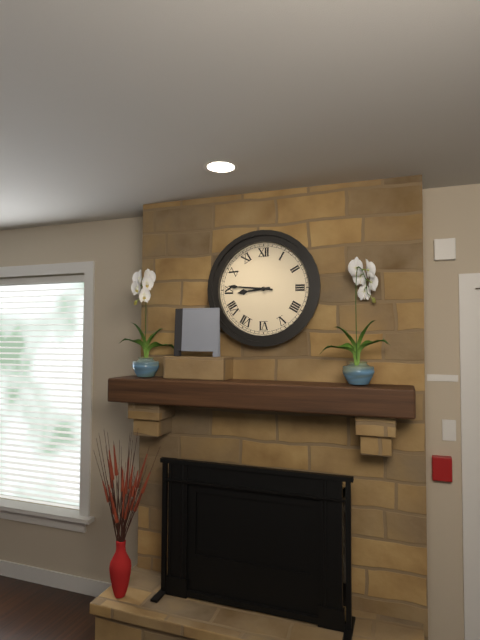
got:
h=8 m=46
